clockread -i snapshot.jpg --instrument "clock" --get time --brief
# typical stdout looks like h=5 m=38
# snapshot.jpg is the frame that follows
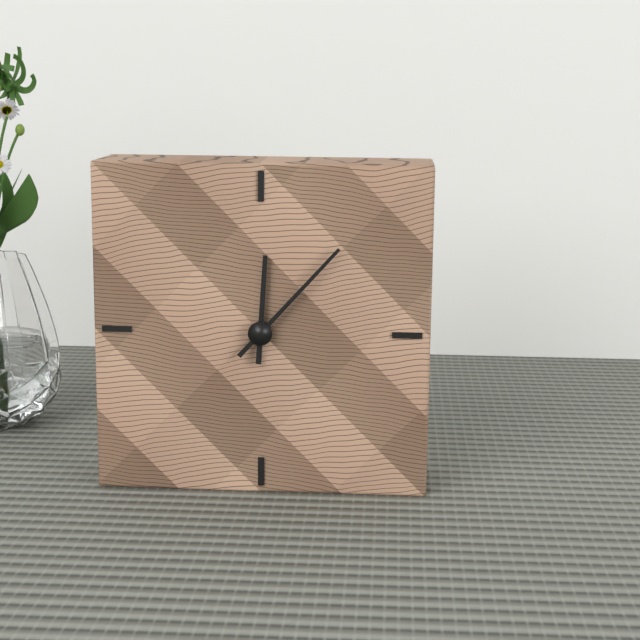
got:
h=12 m=7
